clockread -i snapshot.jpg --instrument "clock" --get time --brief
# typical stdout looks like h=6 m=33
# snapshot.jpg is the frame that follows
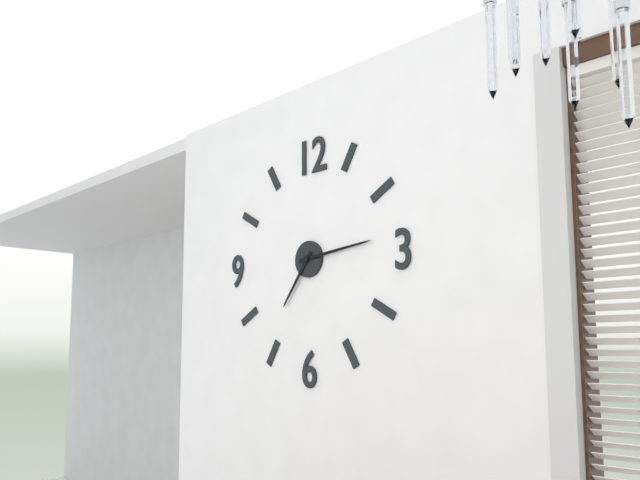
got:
h=7 m=14
